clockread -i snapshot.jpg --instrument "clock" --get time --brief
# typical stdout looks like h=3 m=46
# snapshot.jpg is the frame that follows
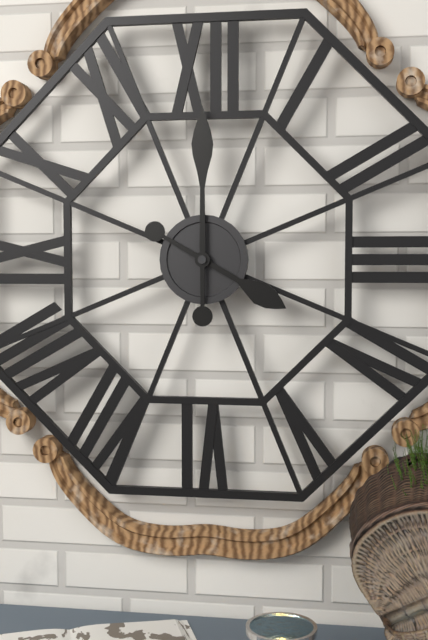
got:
h=4 m=0
